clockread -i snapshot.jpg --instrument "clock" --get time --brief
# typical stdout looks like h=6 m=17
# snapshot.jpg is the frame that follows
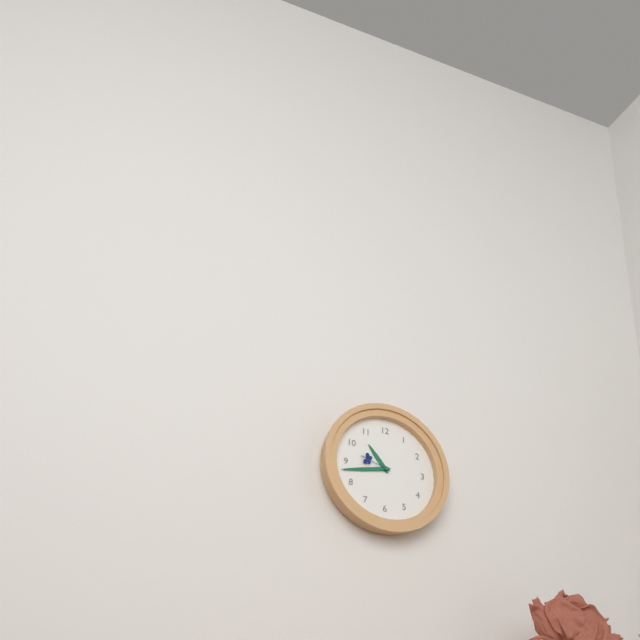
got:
h=10 m=43
